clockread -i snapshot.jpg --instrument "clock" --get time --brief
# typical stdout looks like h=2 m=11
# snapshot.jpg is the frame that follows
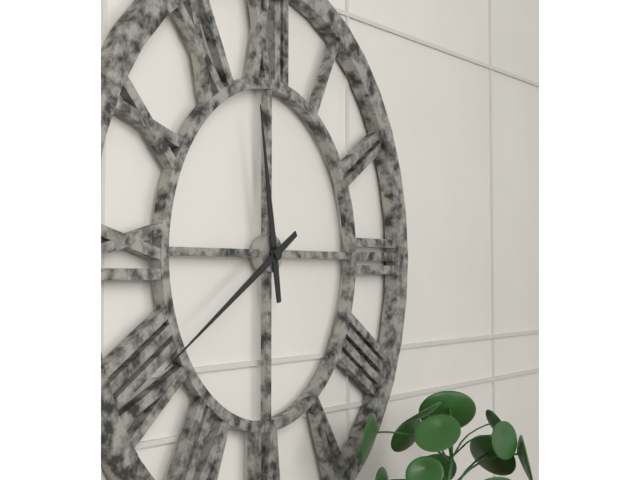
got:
h=11 m=40
